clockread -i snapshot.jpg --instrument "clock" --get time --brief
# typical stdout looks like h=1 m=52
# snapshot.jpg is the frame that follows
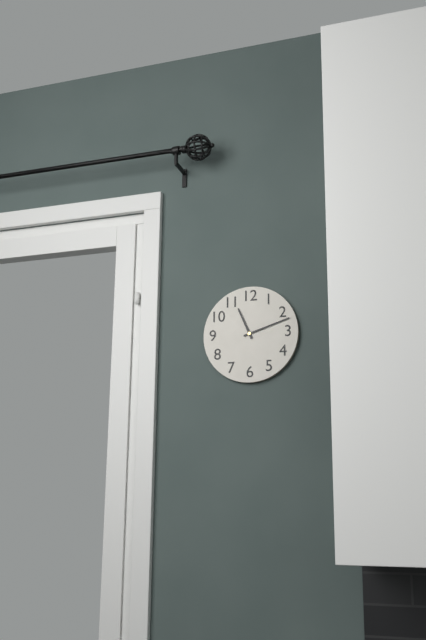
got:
h=11 m=12
